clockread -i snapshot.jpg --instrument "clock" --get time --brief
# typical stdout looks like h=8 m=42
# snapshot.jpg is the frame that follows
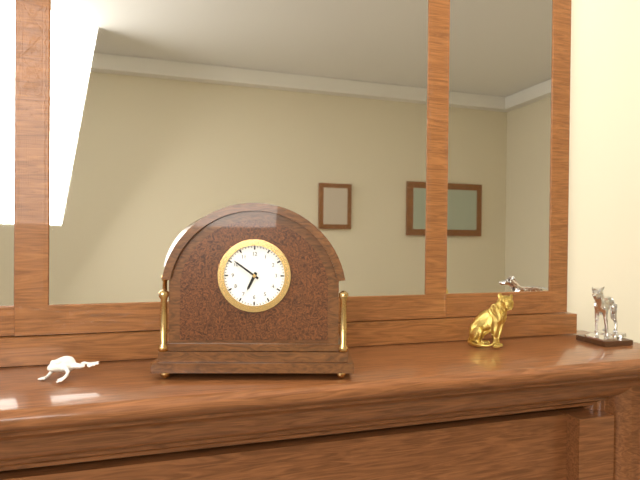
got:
h=6 m=51
